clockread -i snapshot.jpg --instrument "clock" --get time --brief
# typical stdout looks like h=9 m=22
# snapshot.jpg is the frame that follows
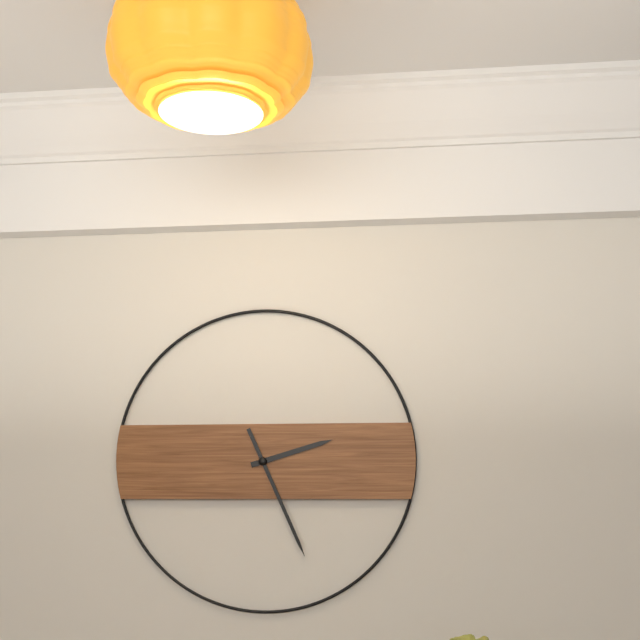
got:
h=2 m=26
